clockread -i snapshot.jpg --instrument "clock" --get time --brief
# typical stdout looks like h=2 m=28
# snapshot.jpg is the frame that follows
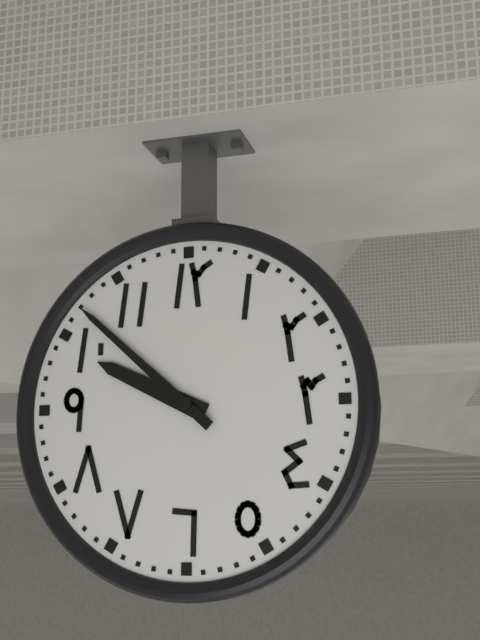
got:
h=9 m=52
